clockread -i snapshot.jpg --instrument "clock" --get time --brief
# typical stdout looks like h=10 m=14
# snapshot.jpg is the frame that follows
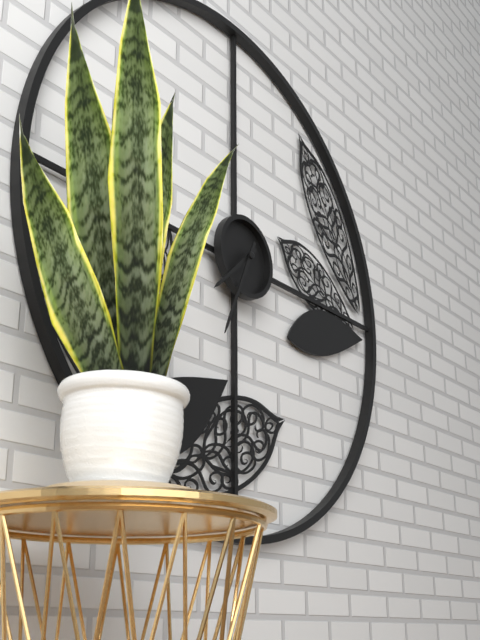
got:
h=7 m=34
